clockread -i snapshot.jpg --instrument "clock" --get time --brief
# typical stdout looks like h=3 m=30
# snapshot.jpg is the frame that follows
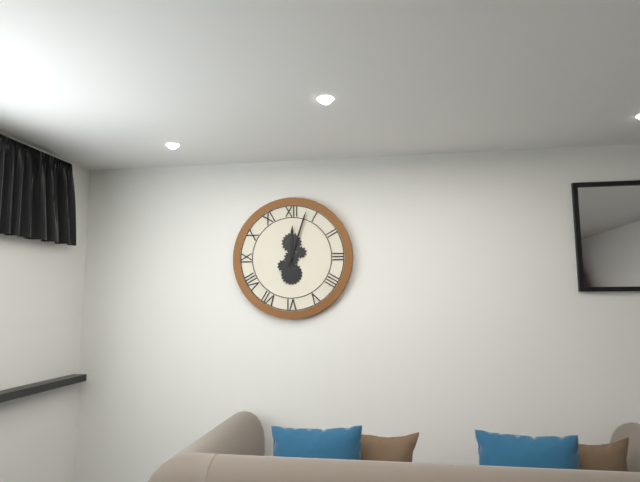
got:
h=12 m=3
